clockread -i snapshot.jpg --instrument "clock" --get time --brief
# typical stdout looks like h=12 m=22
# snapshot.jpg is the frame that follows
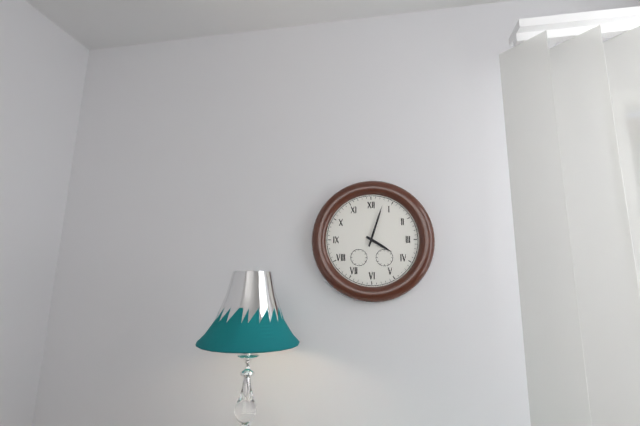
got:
h=4 m=3
